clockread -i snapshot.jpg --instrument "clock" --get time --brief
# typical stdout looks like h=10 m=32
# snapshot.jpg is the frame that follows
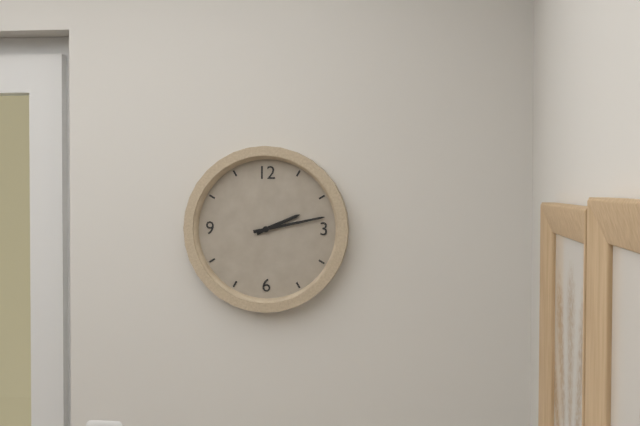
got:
h=2 m=13
